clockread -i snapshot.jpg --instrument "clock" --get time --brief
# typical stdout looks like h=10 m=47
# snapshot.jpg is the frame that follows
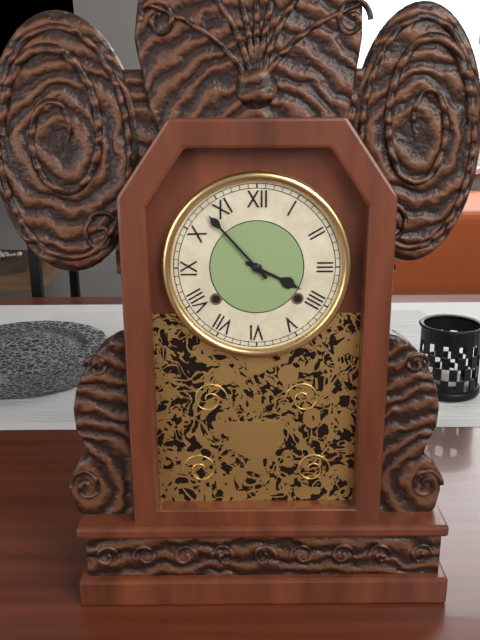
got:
h=3 m=53
